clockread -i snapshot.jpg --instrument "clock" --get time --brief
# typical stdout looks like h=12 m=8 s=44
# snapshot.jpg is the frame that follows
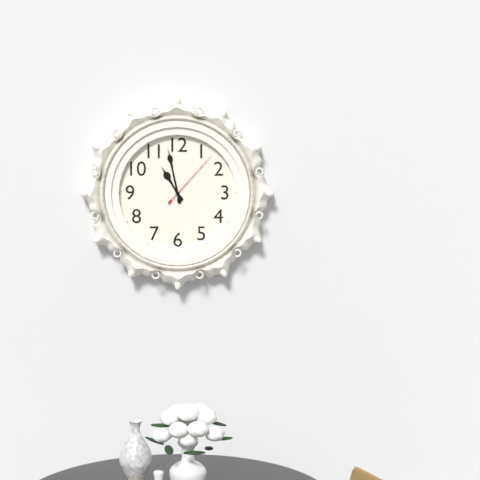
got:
h=10 m=58 s=7
